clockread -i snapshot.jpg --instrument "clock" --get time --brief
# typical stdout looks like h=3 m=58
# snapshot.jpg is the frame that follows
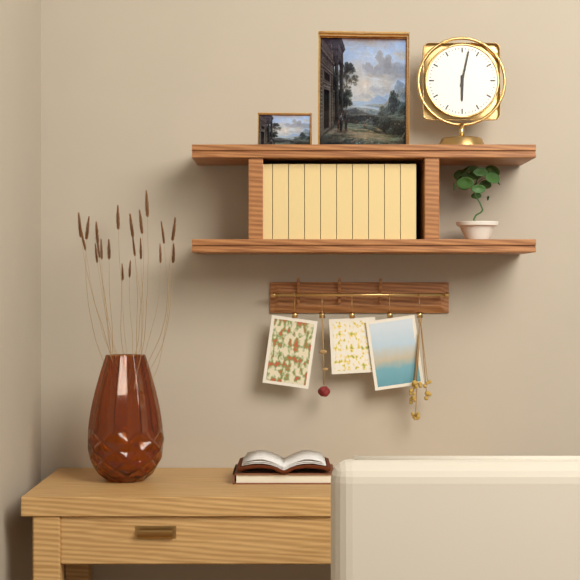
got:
h=6 m=2
